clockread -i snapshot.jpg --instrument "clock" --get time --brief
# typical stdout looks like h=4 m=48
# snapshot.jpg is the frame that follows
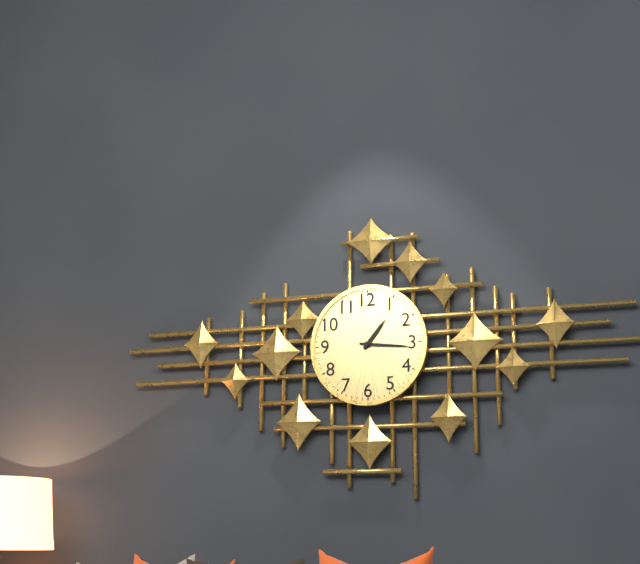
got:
h=1 m=16
